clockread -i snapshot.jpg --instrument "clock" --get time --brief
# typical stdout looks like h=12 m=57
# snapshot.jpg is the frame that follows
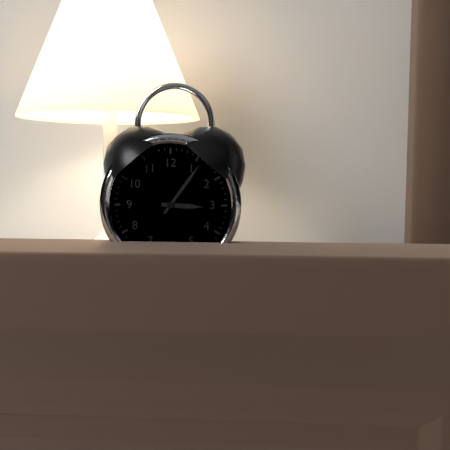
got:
h=3 m=6
